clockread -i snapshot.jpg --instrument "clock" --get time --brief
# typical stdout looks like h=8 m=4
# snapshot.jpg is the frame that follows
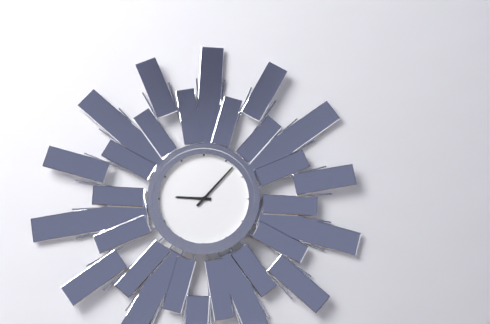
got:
h=9 m=7
